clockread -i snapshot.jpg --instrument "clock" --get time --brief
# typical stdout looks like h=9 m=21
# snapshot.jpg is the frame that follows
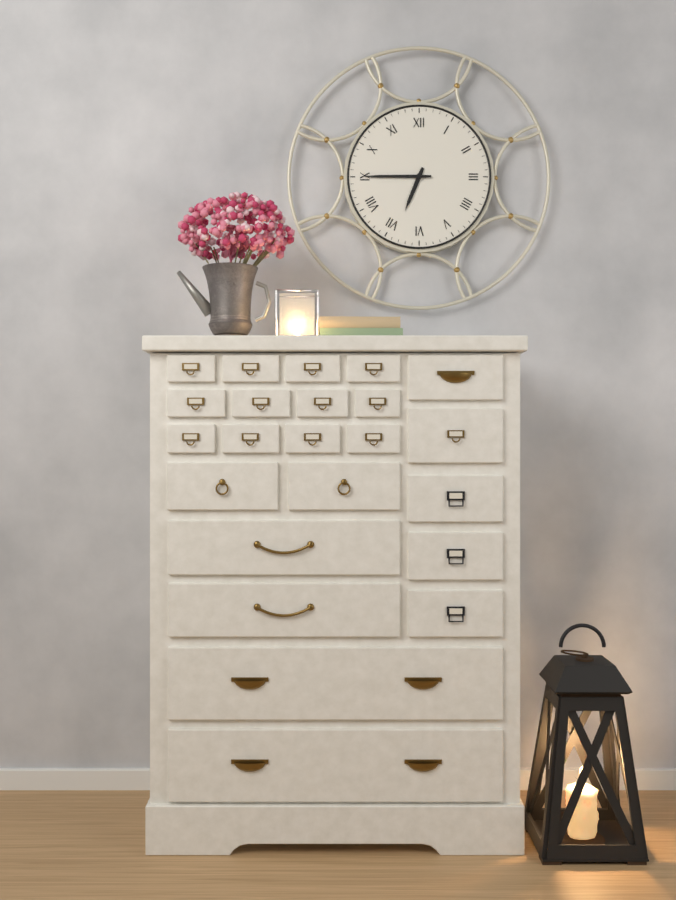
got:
h=6 m=45
